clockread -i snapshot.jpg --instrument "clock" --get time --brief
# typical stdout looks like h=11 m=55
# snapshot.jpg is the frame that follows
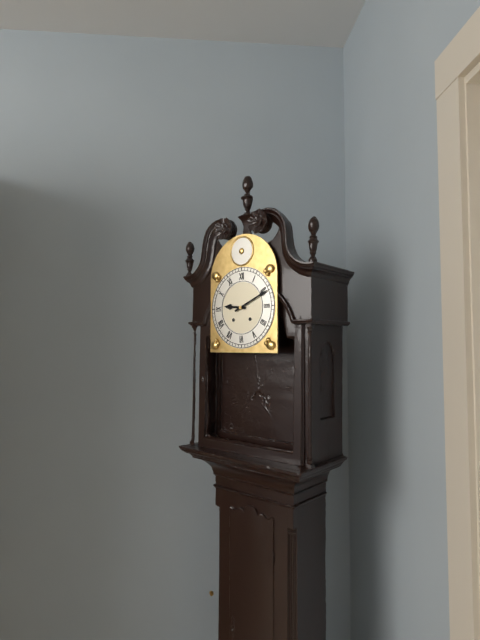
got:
h=9 m=11
